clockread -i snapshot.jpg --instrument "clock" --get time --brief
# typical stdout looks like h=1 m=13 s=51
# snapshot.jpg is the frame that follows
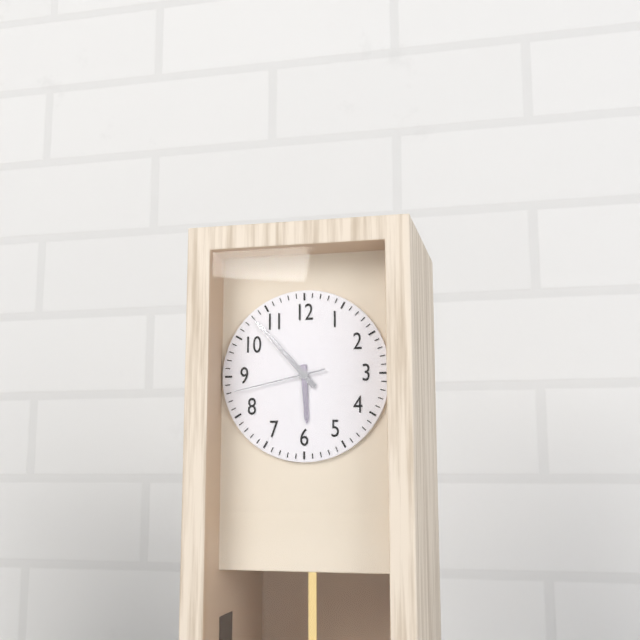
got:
h=5 m=53 s=43
